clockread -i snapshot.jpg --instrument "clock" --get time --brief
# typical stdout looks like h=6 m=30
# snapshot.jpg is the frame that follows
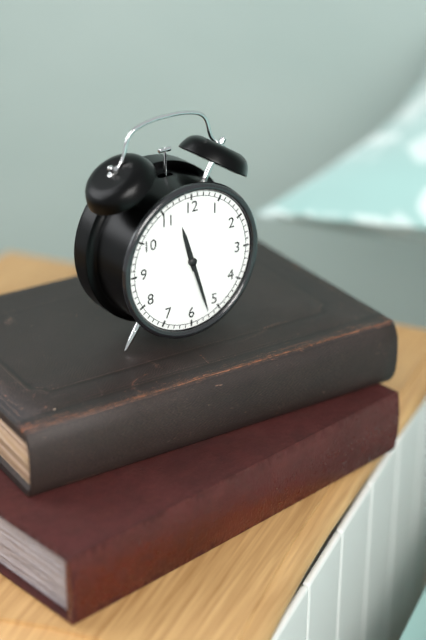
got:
h=11 m=27
